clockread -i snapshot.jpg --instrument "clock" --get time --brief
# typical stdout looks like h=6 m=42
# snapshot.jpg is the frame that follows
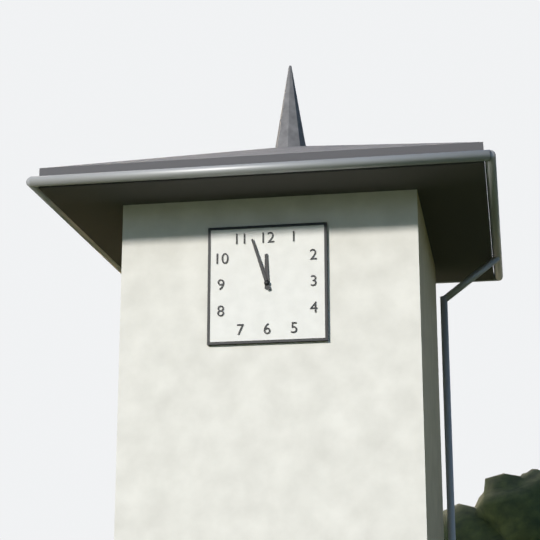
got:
h=11 m=57
